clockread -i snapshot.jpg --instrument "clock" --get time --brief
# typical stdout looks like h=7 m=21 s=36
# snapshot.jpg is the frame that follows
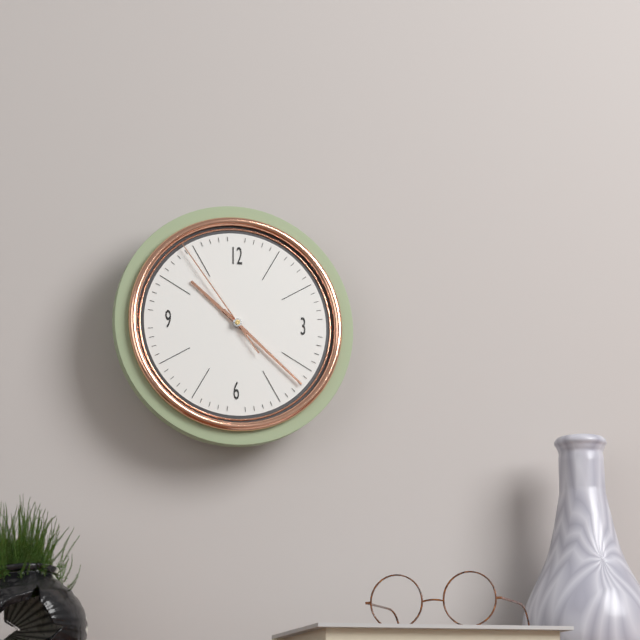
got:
h=10 m=22 s=54
